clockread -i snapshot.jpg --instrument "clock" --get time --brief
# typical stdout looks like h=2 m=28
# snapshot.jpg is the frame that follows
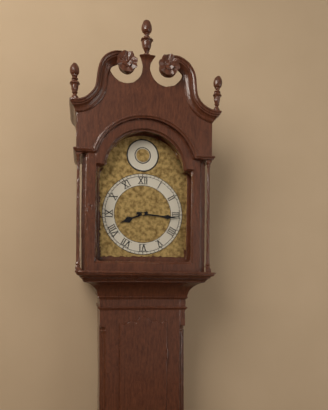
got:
h=8 m=16
